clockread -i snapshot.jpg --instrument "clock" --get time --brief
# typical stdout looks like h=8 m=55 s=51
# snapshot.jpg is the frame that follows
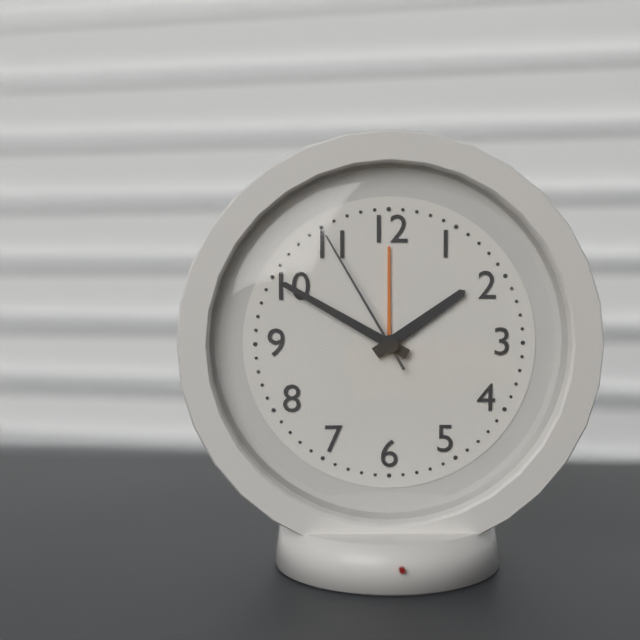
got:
h=1 m=50 s=55
